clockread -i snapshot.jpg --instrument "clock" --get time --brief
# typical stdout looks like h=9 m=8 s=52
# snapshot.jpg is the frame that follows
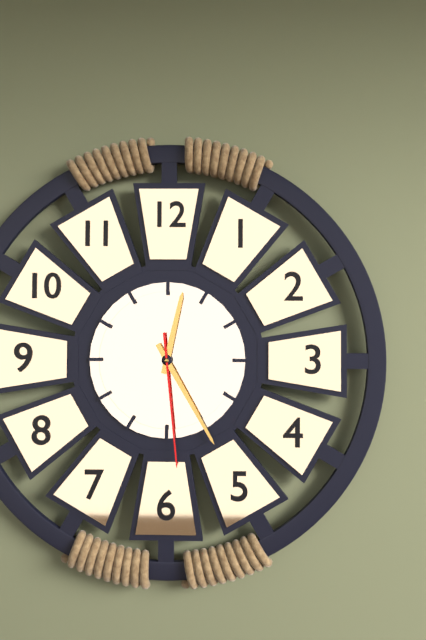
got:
h=12 m=25 s=29
